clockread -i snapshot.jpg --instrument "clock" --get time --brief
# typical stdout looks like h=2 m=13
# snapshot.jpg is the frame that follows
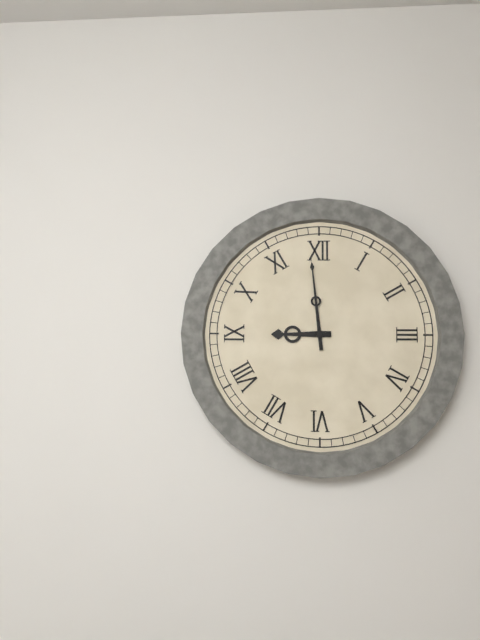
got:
h=8 m=59
